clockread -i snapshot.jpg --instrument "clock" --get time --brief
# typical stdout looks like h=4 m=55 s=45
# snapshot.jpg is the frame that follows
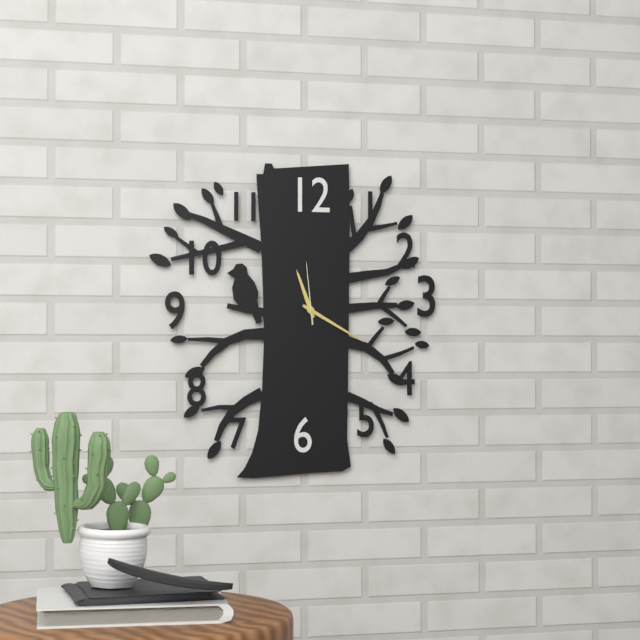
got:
h=11 m=20 s=59
